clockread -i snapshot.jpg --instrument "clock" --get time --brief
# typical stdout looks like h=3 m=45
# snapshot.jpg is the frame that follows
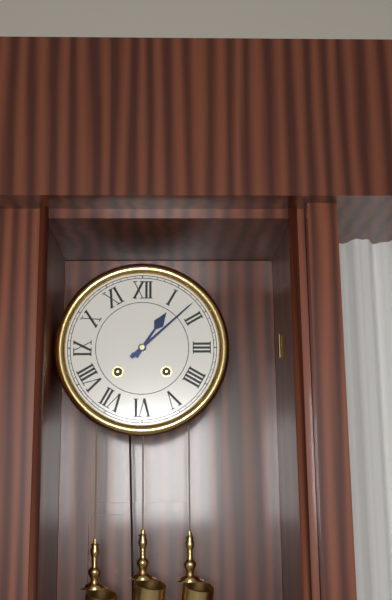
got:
h=1 m=8
